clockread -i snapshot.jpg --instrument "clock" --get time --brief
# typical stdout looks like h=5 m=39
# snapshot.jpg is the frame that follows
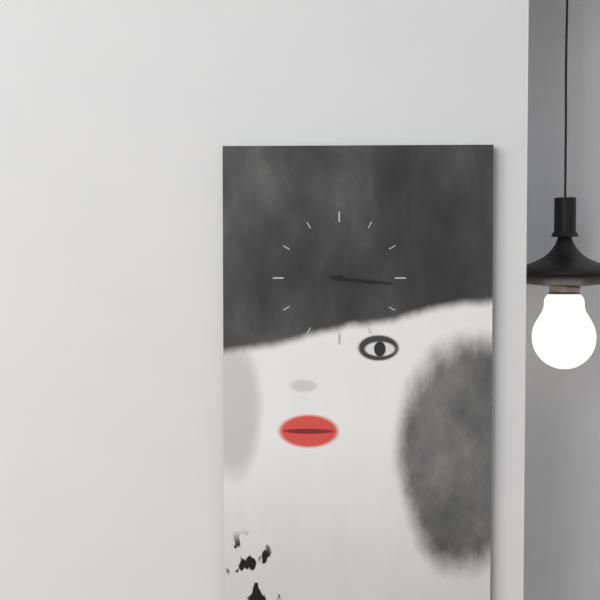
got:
h=3 m=16
